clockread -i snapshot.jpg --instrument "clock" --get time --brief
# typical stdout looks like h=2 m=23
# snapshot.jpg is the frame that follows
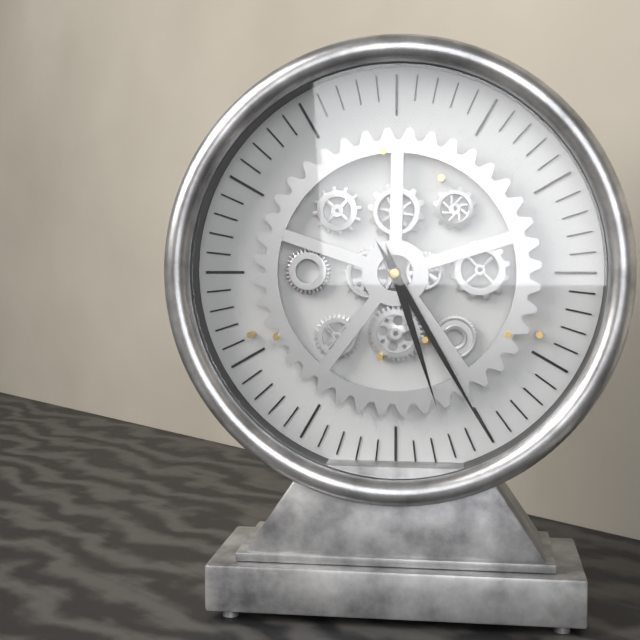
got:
h=5 m=25
